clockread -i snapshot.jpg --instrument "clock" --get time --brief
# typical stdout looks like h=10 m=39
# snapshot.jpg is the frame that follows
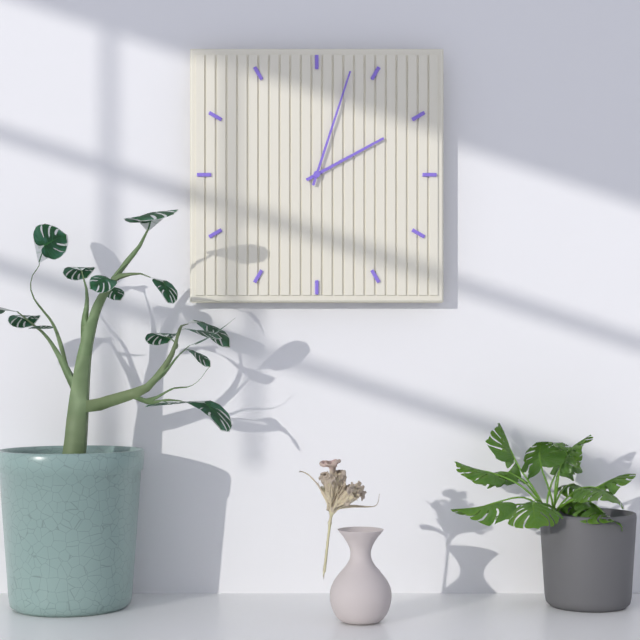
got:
h=2 m=3
